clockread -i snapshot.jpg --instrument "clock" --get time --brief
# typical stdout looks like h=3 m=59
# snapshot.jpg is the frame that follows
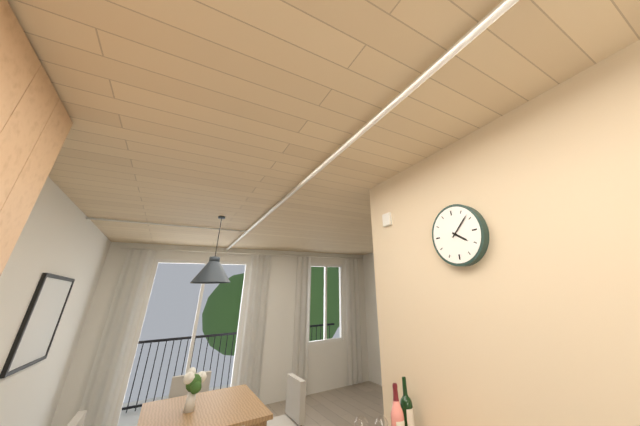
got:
h=4 m=8
